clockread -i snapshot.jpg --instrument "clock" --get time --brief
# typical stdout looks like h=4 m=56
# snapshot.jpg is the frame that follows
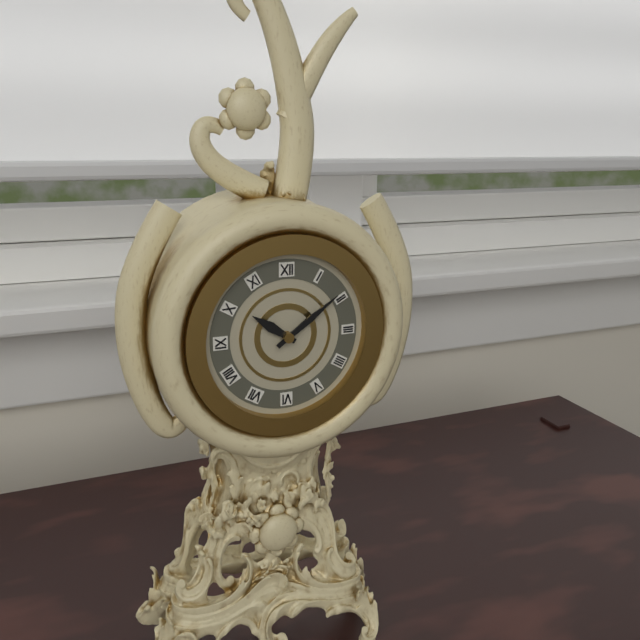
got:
h=10 m=9
